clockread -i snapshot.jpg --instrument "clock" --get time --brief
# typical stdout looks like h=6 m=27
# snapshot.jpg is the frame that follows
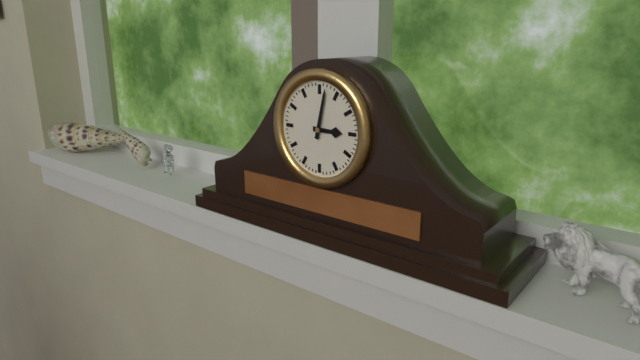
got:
h=3 m=2
